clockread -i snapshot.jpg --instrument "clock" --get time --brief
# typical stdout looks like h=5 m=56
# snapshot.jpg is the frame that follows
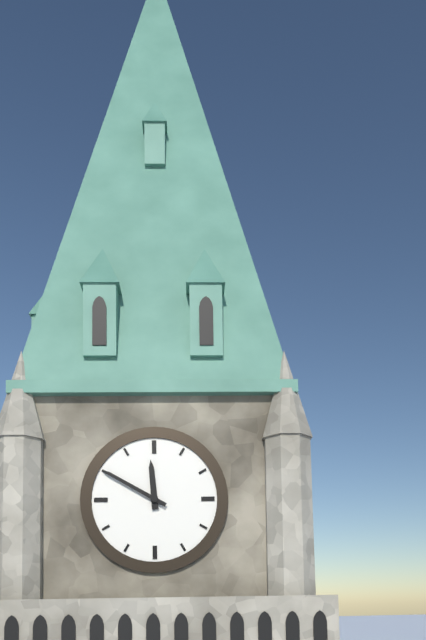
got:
h=11 m=50
